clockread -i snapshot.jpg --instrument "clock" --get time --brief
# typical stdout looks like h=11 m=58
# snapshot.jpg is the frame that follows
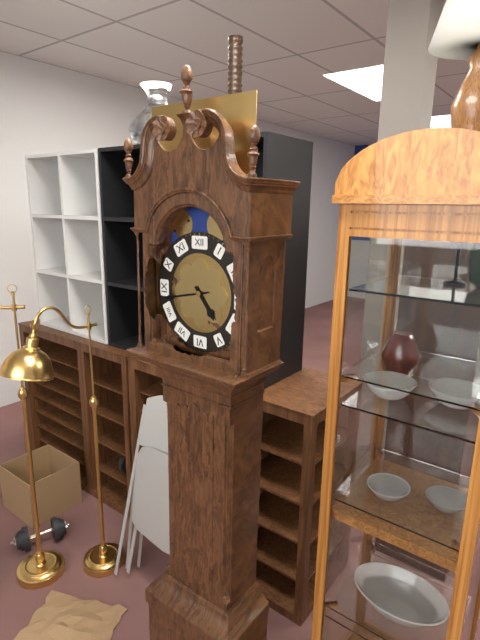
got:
h=4 m=43
